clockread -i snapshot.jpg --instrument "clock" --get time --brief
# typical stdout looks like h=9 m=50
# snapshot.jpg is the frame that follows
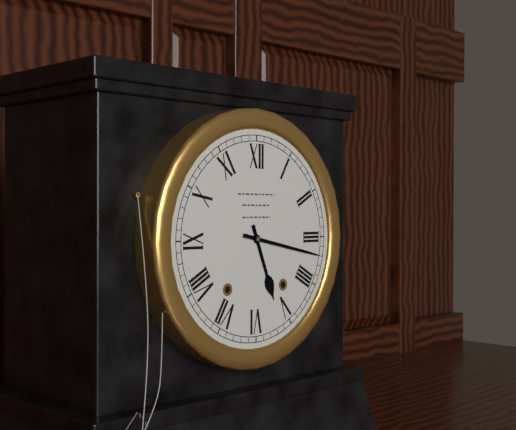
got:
h=5 m=17
